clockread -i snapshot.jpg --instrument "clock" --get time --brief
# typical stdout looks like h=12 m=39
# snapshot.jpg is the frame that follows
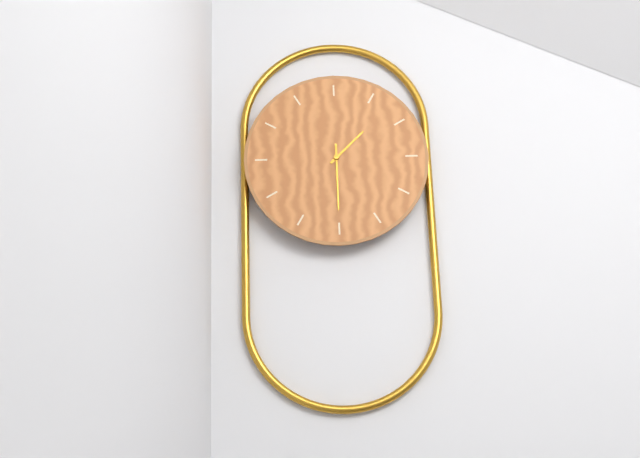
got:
h=1 m=30
